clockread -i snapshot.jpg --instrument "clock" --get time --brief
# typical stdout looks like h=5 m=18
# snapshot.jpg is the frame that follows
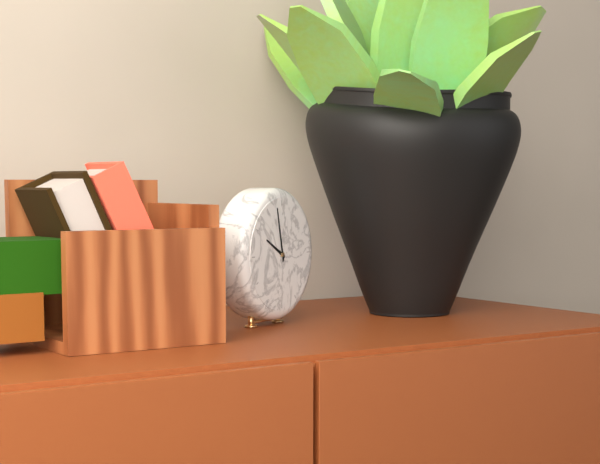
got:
h=9 m=58
